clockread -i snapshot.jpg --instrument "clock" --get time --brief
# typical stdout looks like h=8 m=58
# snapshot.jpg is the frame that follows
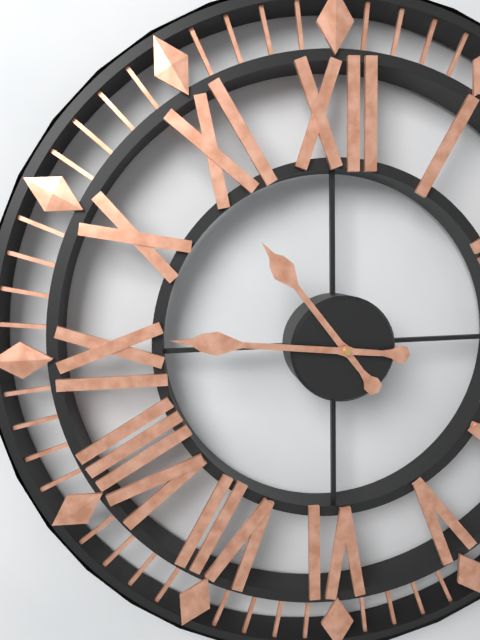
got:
h=10 m=46
